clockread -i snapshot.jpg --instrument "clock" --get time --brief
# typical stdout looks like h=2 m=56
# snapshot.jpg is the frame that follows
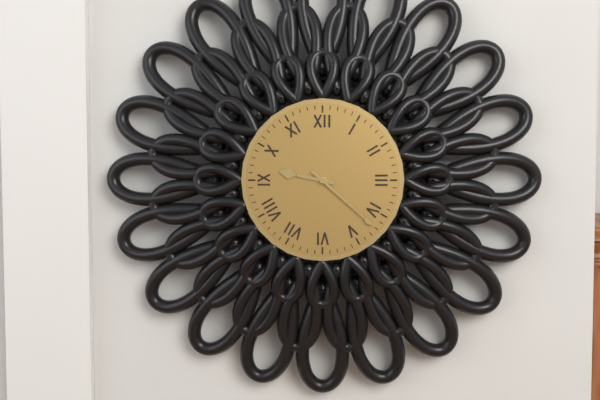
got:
h=9 m=22
